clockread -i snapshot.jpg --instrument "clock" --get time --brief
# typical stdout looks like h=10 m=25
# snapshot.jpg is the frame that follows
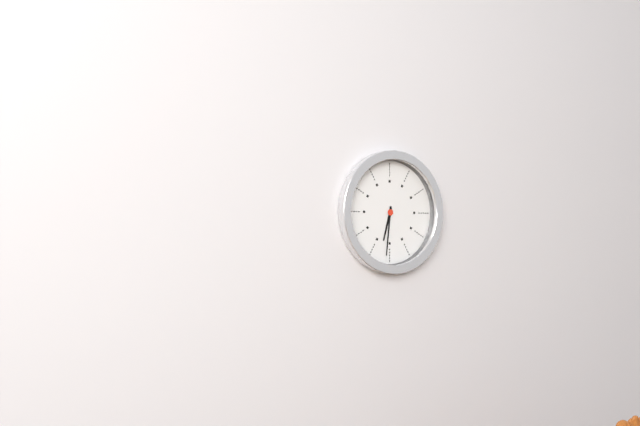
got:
h=6 m=31
